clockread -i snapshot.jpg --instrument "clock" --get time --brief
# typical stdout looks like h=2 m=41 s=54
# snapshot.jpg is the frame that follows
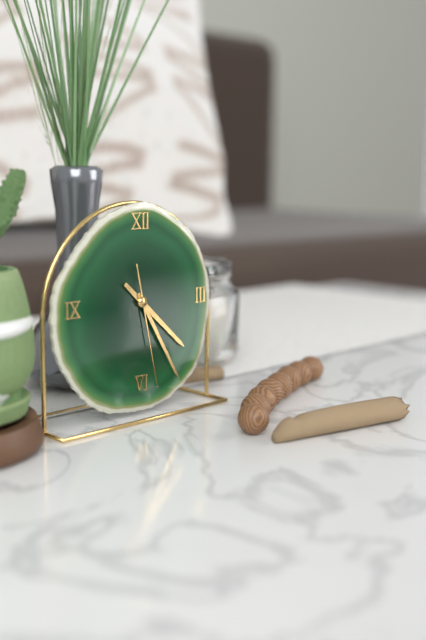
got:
h=4 m=25 s=28
